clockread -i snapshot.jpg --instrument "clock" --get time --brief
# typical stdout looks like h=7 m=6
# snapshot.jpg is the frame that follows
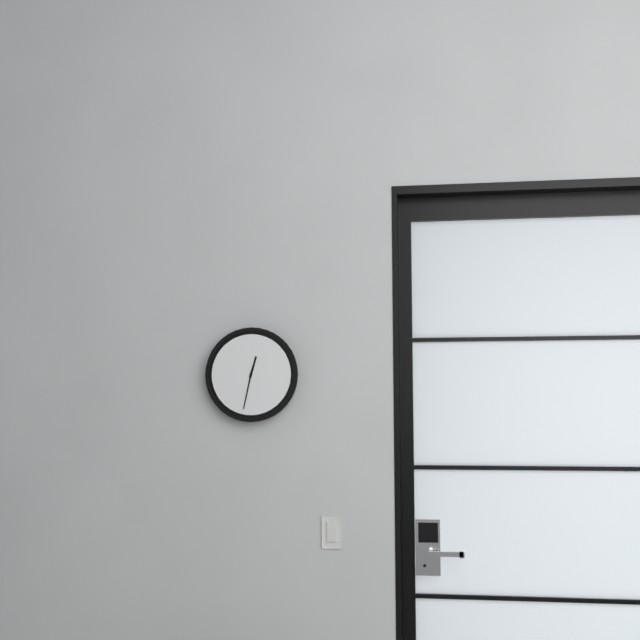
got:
h=12 m=32
